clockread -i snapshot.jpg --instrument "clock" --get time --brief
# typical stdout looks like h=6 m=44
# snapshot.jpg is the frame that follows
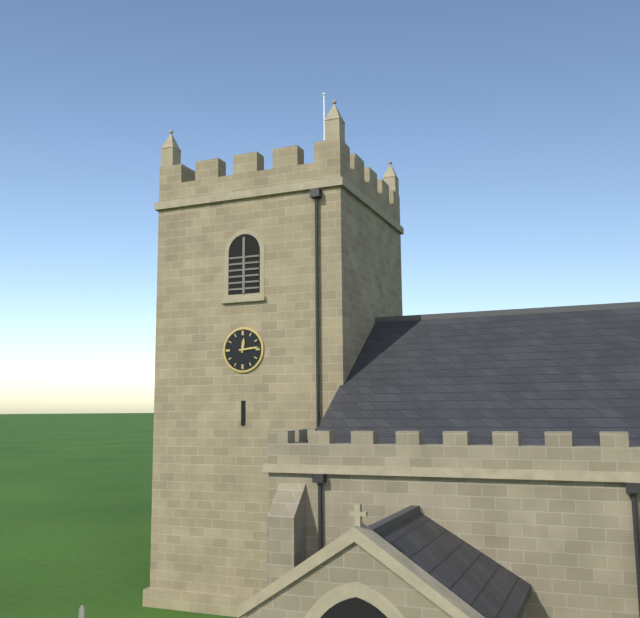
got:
h=12 m=14
